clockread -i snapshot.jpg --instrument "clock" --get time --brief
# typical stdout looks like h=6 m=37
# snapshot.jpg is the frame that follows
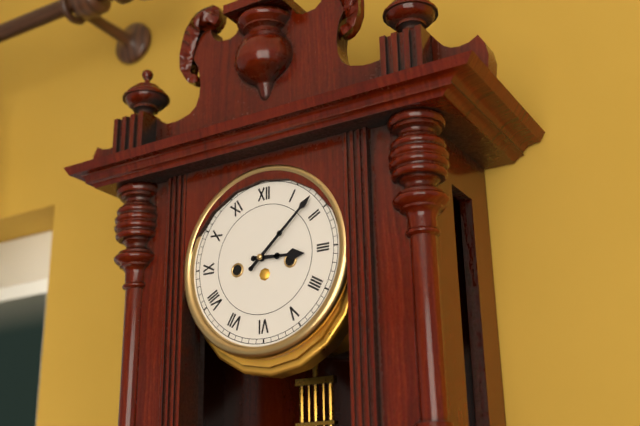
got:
h=3 m=8
